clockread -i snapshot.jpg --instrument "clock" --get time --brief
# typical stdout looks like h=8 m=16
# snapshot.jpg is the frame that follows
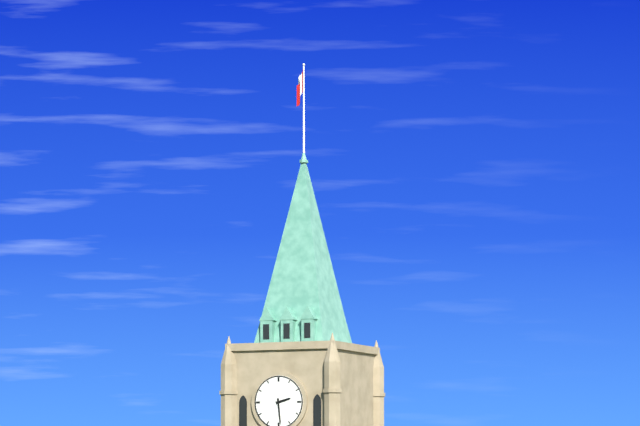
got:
h=2 m=29
